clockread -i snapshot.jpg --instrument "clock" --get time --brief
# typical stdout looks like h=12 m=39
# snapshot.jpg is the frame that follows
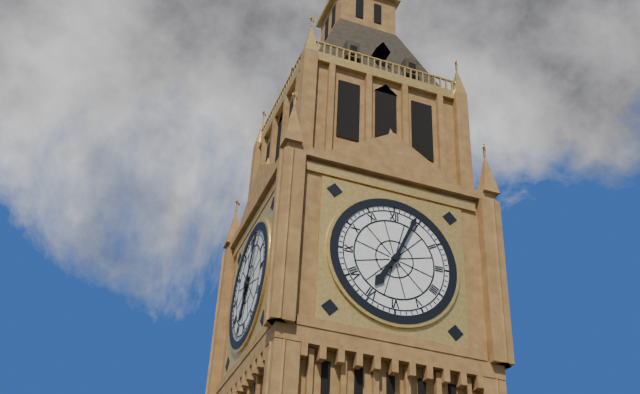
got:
h=7 m=4
